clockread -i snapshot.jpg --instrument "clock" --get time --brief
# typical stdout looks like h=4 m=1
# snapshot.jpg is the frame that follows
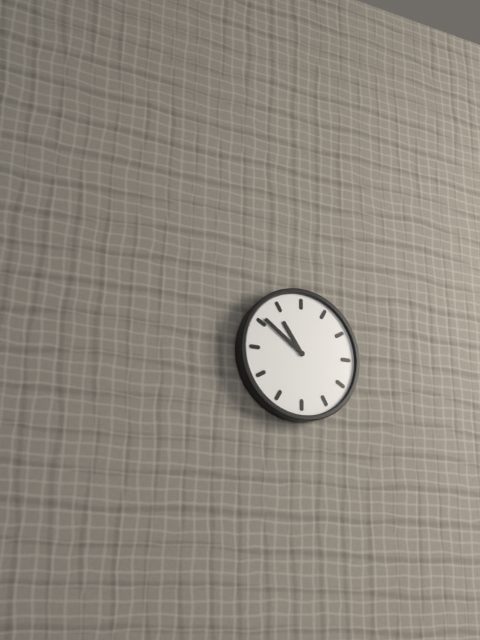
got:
h=10 m=51
